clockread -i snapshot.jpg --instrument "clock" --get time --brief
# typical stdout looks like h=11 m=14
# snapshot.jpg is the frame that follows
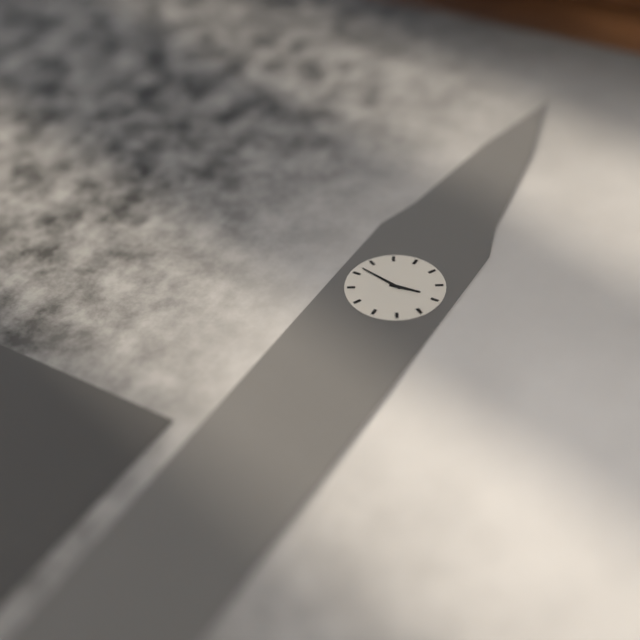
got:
h=2 m=47
